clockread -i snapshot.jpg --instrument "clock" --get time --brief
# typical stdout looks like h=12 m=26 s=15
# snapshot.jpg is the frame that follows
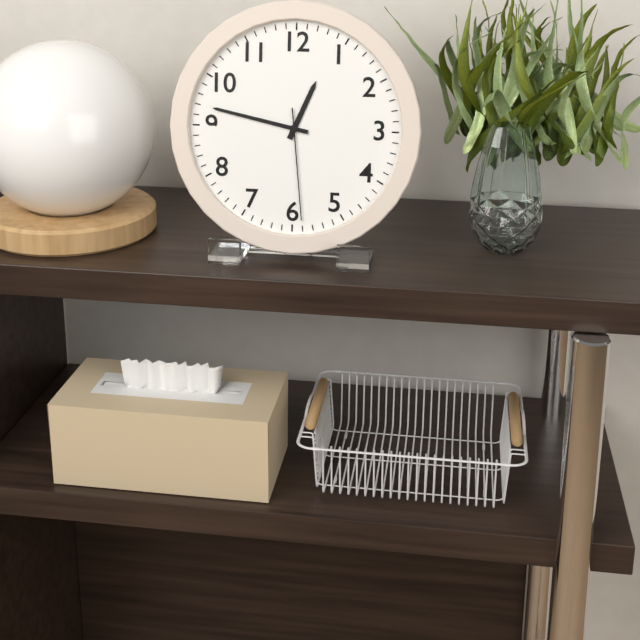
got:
h=12 m=47 s=29
